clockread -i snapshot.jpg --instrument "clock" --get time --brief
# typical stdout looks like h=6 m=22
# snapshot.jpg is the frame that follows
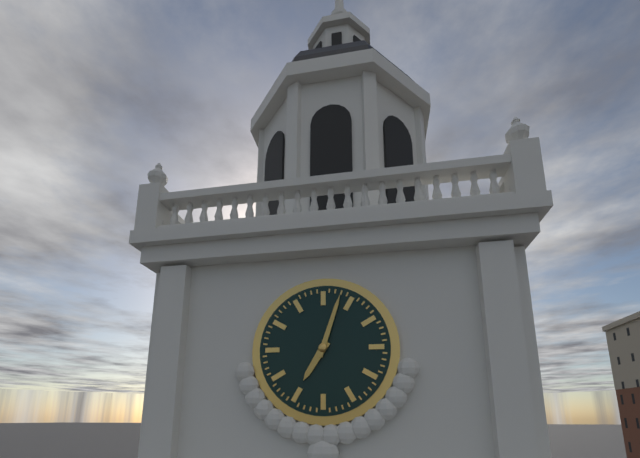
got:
h=7 m=3
